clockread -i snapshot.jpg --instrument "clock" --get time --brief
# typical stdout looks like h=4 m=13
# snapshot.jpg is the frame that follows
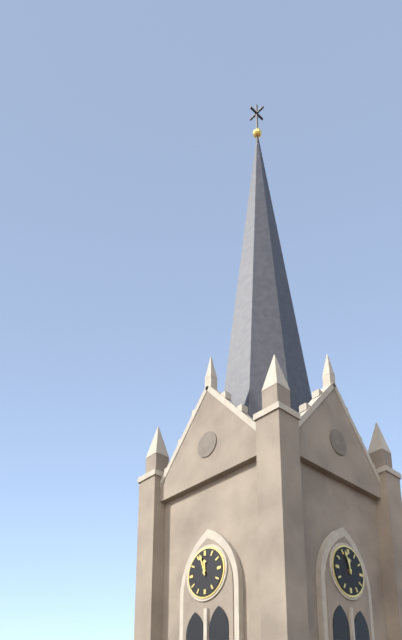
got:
h=11 m=57
